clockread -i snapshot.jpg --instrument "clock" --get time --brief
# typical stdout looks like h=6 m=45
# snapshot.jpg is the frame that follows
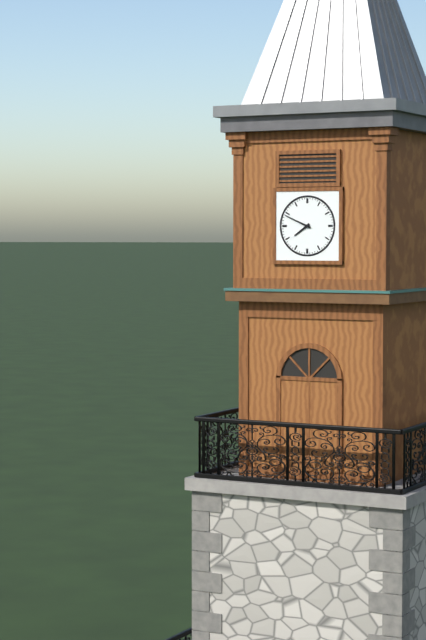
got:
h=7 m=49
